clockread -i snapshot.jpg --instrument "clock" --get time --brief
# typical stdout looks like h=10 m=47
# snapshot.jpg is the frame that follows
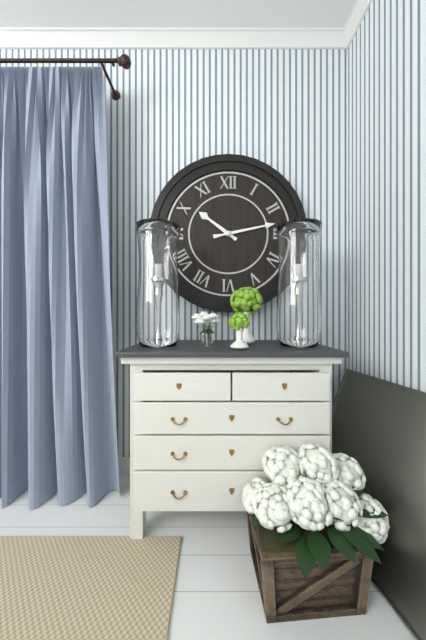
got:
h=10 m=13
